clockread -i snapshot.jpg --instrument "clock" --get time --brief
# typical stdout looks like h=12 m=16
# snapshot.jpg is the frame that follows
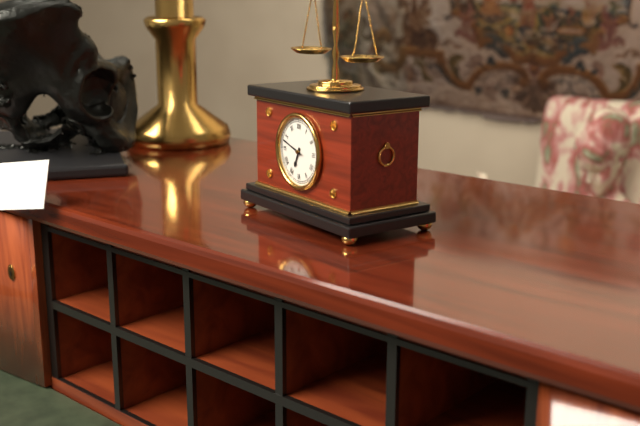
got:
h=6 m=48
